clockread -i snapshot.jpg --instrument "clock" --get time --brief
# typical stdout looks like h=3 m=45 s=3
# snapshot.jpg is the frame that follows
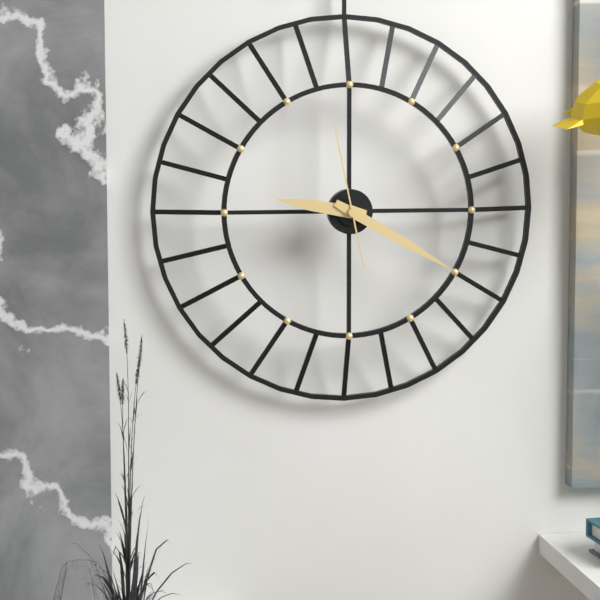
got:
h=9 m=20 s=58
